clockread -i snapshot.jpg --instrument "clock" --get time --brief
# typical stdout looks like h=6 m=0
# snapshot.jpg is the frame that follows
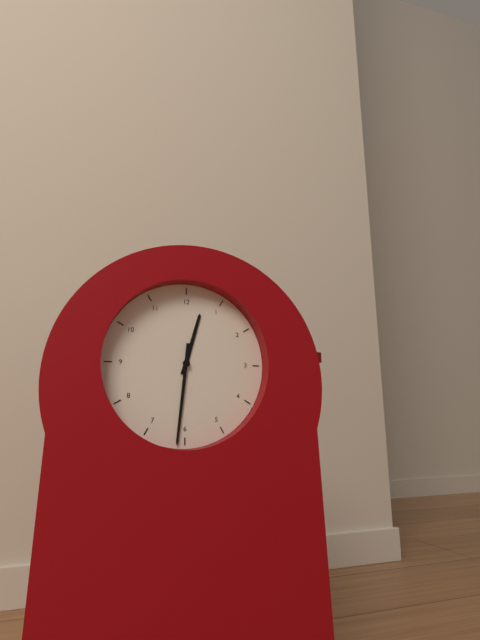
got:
h=12 m=31
